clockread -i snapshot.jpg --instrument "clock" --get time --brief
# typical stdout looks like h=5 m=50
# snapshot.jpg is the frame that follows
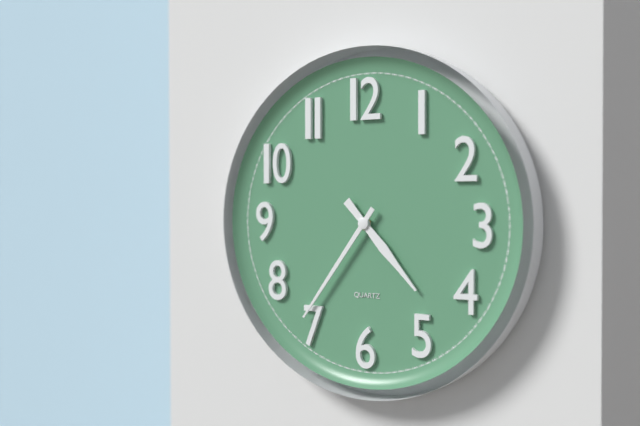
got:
h=4 m=36
